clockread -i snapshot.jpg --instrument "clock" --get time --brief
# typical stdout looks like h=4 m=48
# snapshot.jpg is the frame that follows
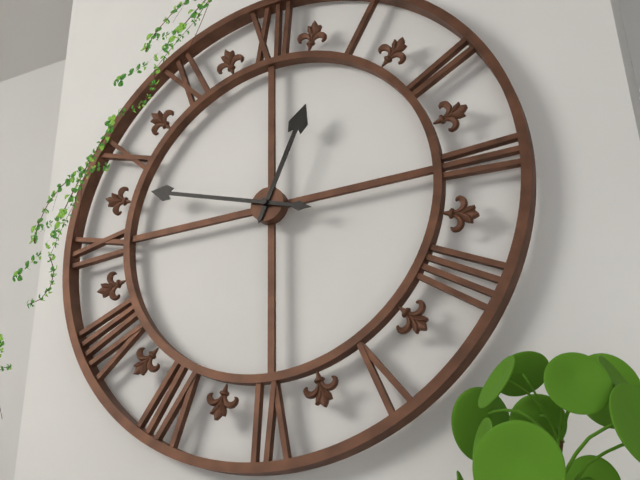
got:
h=12 m=48
